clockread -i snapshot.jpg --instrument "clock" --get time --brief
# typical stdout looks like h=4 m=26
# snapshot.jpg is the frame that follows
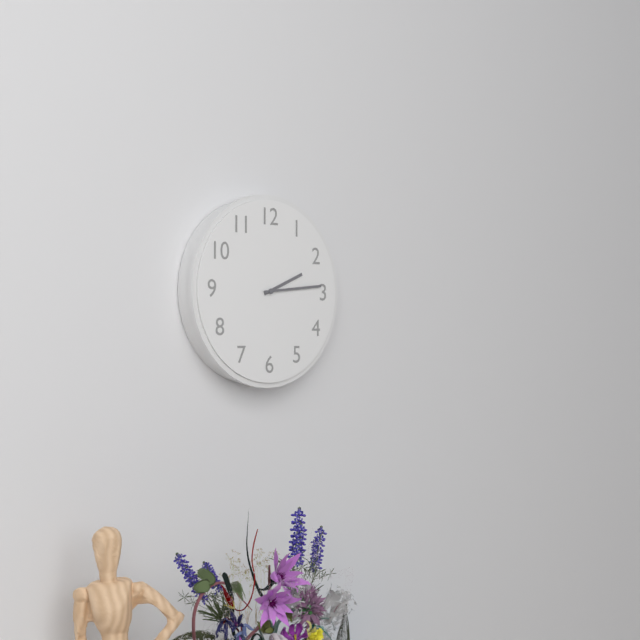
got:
h=2 m=14
